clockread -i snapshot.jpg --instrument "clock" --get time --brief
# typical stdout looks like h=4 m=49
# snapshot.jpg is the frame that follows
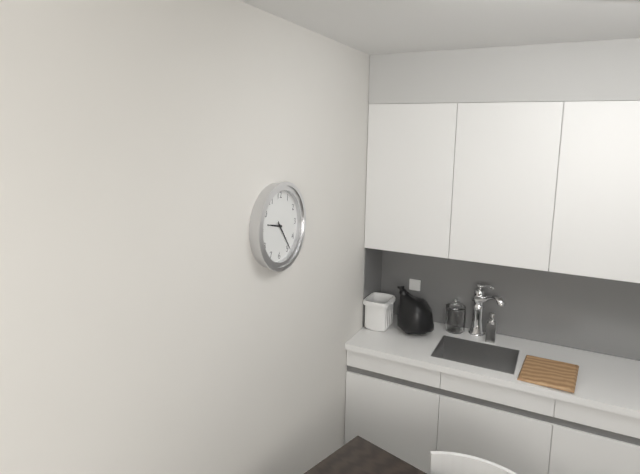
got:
h=9 m=24
